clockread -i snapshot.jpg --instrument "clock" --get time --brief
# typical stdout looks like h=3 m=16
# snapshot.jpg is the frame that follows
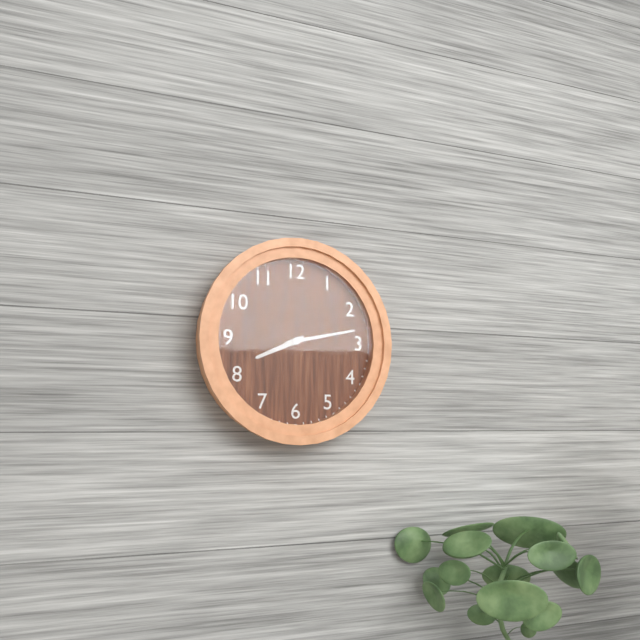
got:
h=8 m=13
